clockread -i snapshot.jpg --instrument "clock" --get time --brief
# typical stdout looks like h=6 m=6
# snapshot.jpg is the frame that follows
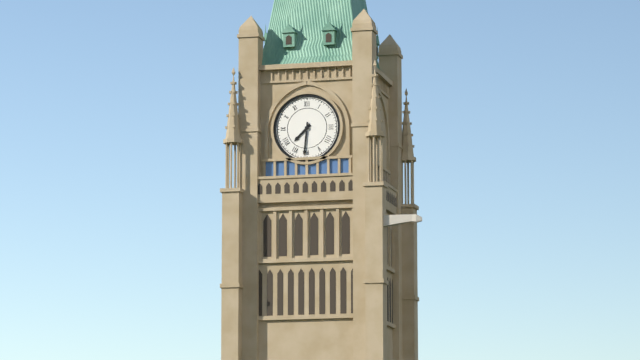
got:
h=7 m=31
